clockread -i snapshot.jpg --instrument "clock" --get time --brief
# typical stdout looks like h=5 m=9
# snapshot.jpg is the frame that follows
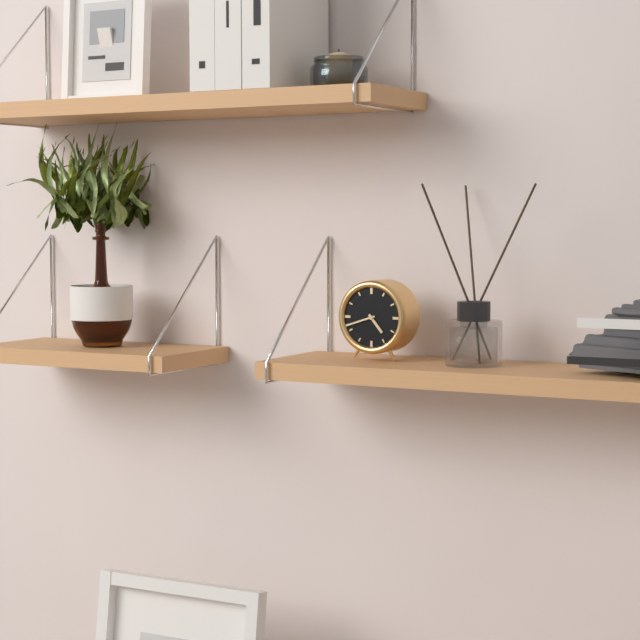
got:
h=4 m=42
